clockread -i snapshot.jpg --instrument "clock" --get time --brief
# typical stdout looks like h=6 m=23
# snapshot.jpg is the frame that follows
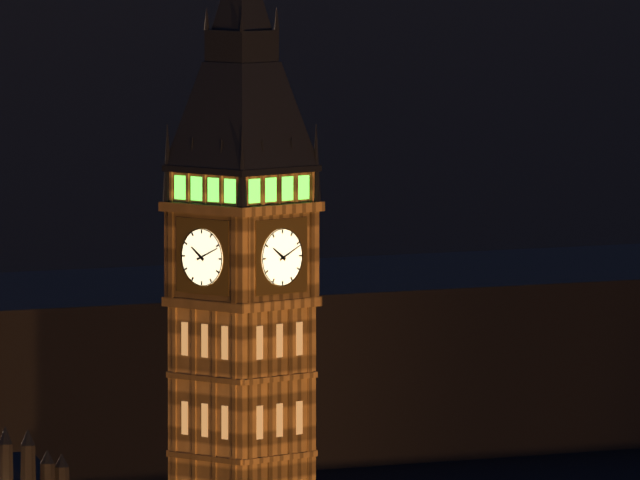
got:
h=10 m=11
